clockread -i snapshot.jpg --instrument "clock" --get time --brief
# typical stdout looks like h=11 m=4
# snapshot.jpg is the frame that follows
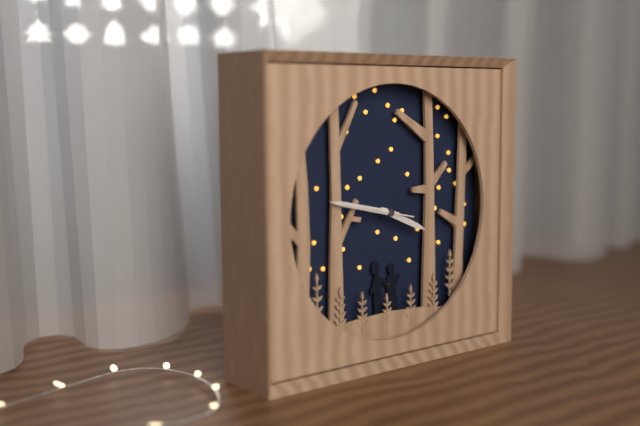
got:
h=3 m=47
